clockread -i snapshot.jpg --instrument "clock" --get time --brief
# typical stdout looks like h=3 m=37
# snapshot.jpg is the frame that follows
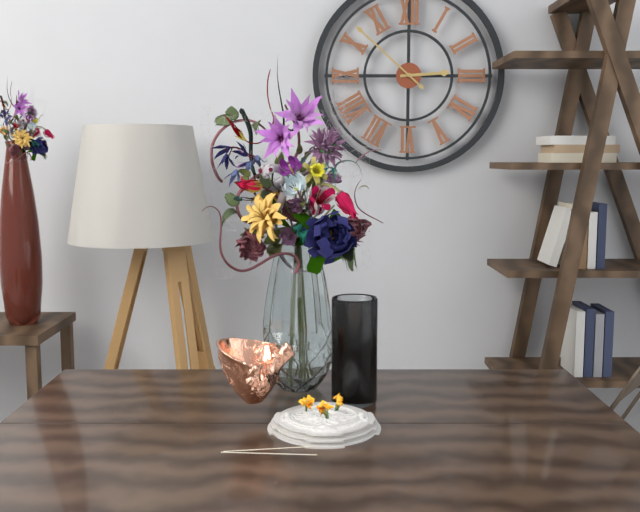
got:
h=2 m=52
